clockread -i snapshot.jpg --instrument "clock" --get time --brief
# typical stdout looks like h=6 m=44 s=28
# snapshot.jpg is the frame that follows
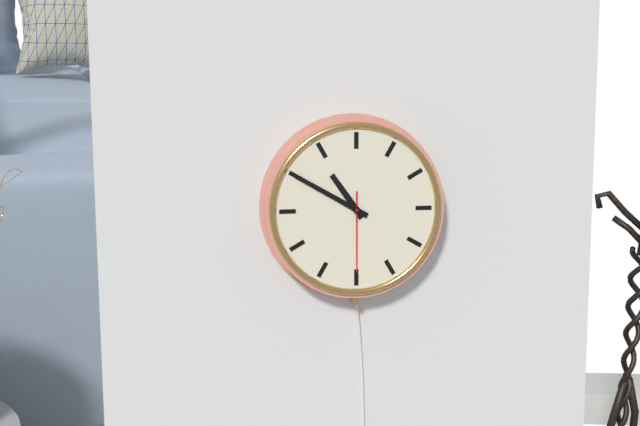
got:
h=10 m=50 s=30
